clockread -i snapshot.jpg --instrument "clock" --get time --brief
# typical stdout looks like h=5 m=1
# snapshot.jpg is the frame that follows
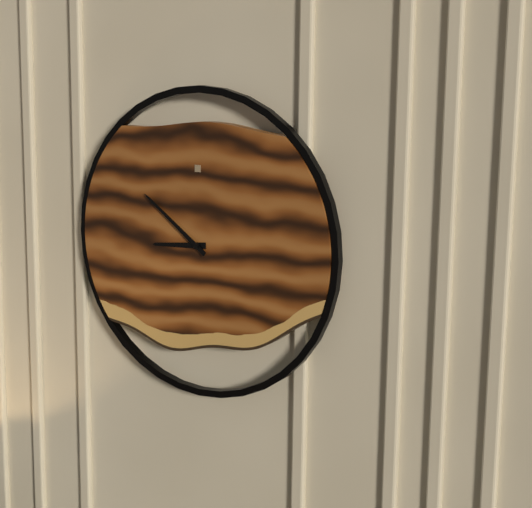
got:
h=8 m=51
